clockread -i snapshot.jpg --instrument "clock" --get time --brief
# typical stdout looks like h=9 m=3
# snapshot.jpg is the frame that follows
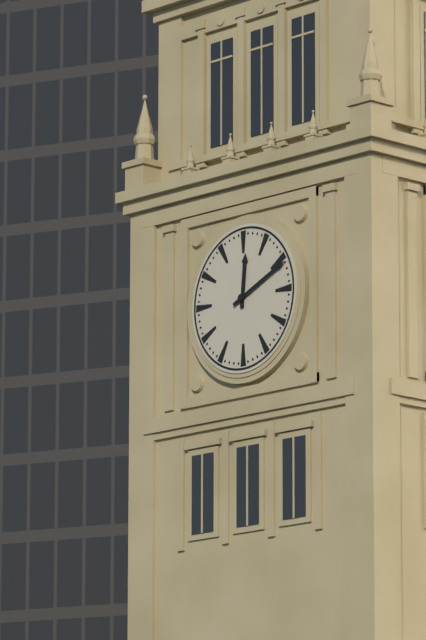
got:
h=12 m=11
